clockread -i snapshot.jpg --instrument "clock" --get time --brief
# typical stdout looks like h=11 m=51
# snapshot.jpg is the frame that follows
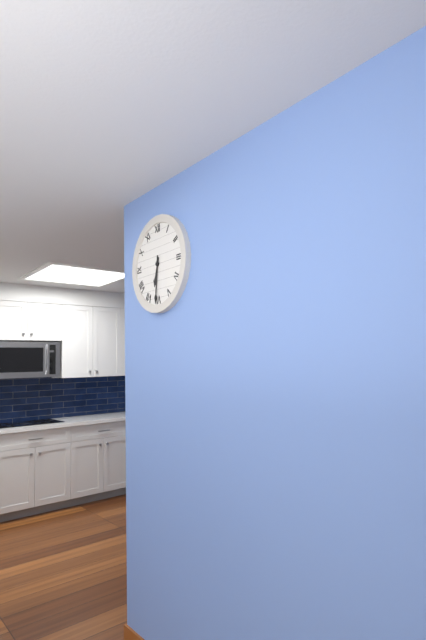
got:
h=6 m=31
